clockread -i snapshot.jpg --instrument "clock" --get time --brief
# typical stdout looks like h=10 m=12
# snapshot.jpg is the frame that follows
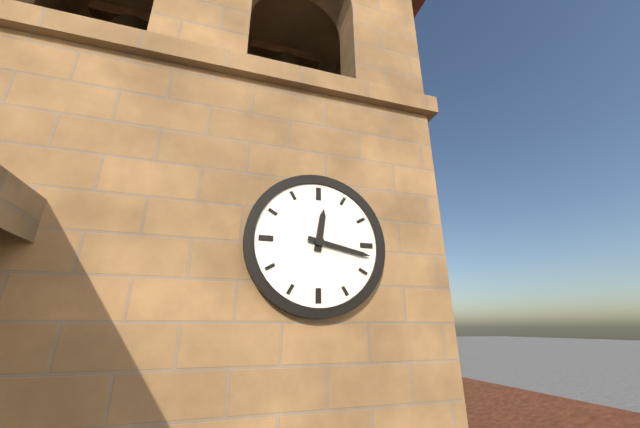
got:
h=12 m=17
